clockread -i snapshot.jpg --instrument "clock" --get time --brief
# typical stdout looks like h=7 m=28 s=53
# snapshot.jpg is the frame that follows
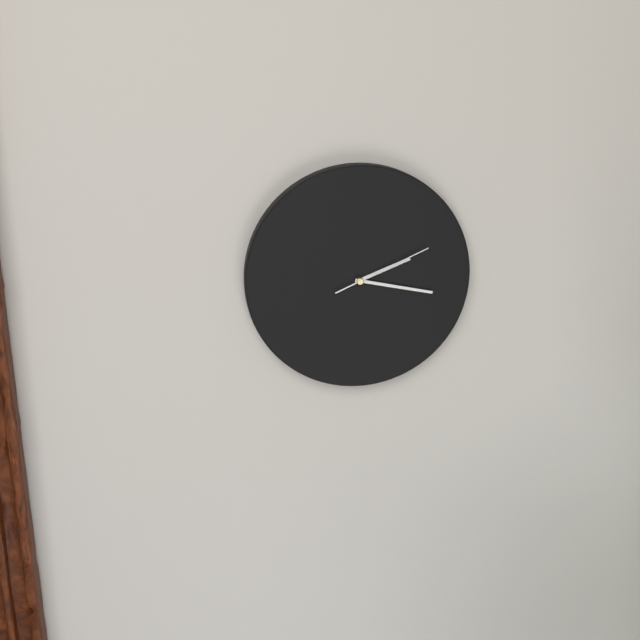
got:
h=2 m=17 s=11
